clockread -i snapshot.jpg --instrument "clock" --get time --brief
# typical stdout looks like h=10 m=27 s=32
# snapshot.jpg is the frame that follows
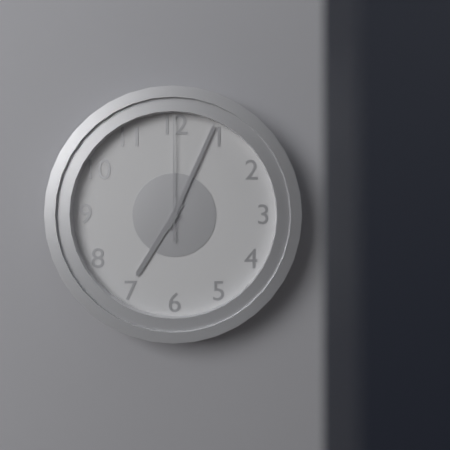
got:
h=7 m=4 s=0
